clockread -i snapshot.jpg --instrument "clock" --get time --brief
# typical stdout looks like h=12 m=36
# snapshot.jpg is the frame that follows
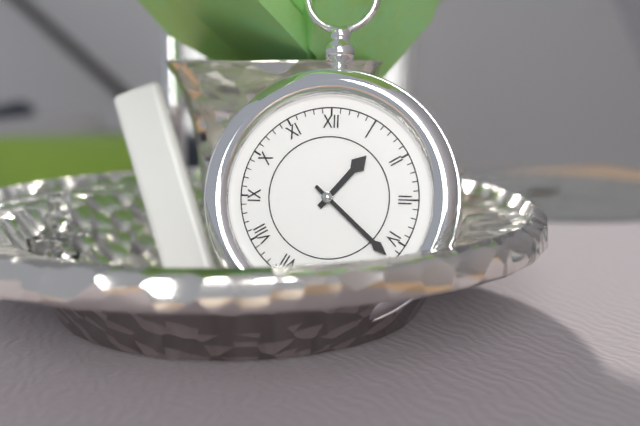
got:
h=1 m=22
